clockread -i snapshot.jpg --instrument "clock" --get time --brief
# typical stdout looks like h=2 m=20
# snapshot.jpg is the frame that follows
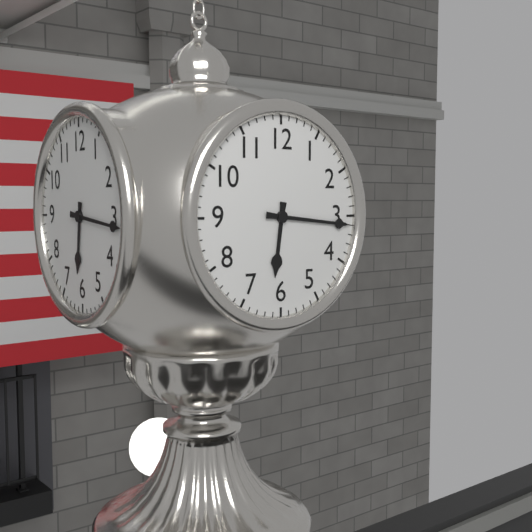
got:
h=6 m=16
